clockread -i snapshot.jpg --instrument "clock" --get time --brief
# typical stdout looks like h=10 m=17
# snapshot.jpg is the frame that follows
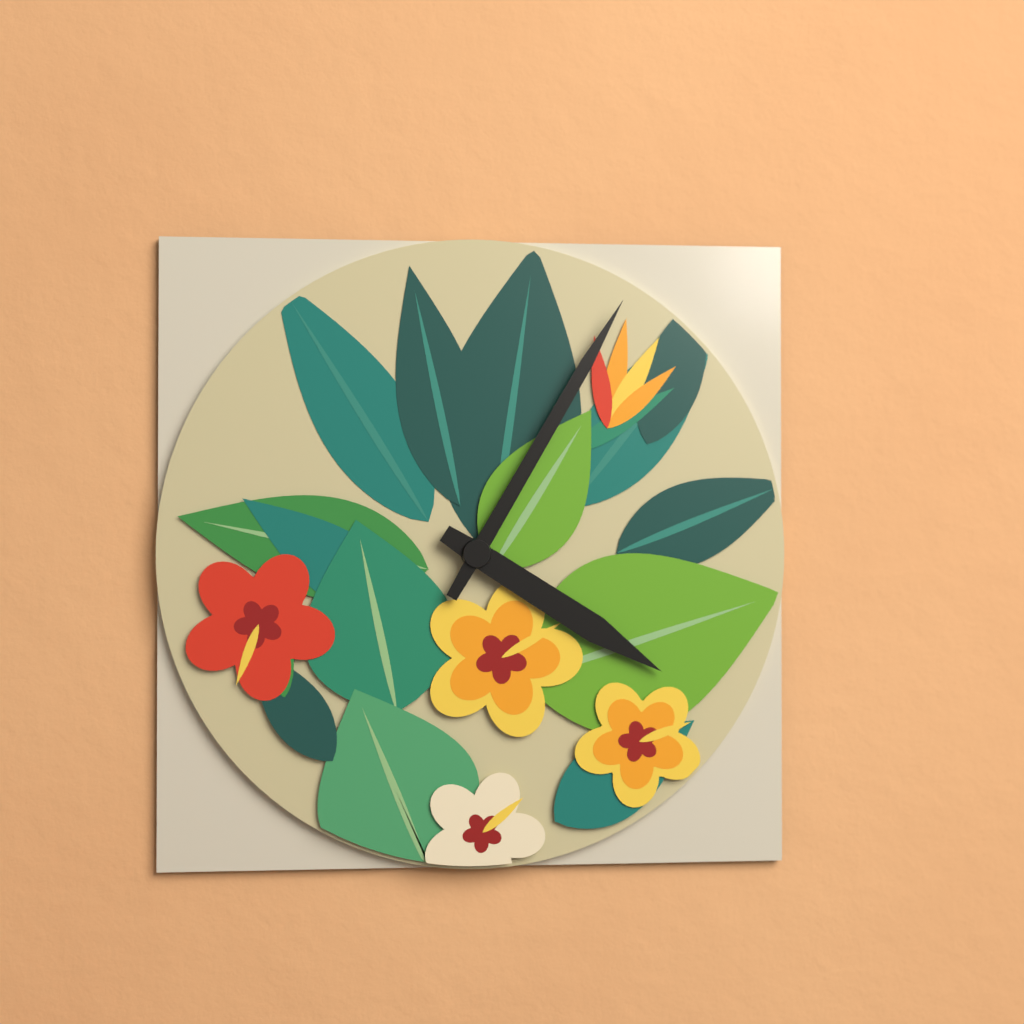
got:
h=4 m=5
